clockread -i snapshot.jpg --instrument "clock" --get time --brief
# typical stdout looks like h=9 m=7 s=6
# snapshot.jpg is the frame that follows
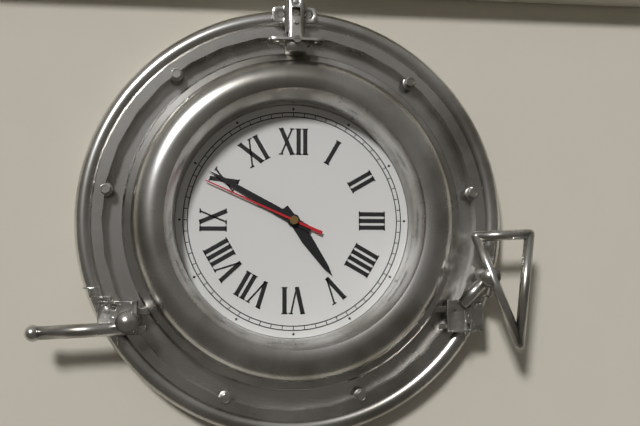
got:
h=4 m=50 s=49
